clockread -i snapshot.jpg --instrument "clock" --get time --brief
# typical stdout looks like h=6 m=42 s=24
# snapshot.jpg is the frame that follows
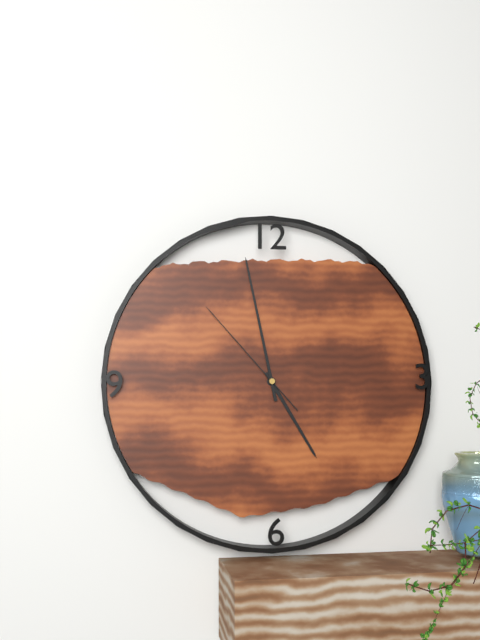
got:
h=4 m=58 s=53
